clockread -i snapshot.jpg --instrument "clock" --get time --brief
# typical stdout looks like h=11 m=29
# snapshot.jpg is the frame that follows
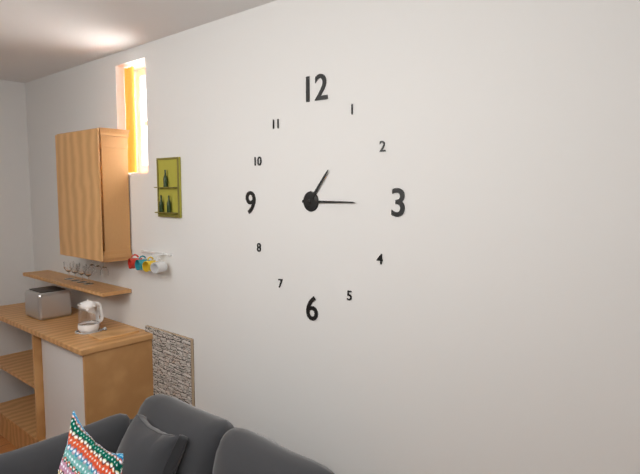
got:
h=1 m=15
